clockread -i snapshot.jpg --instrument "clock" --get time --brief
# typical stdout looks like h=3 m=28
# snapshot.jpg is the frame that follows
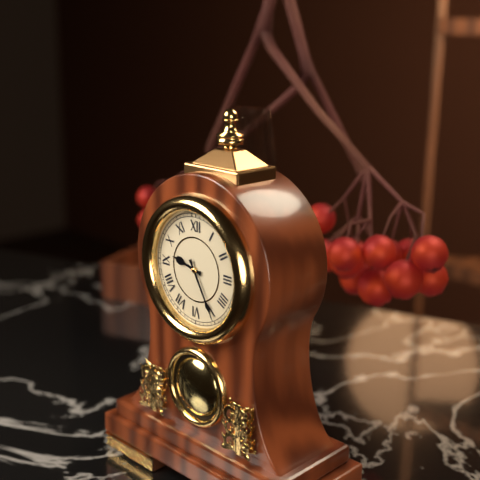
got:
h=9 m=25
